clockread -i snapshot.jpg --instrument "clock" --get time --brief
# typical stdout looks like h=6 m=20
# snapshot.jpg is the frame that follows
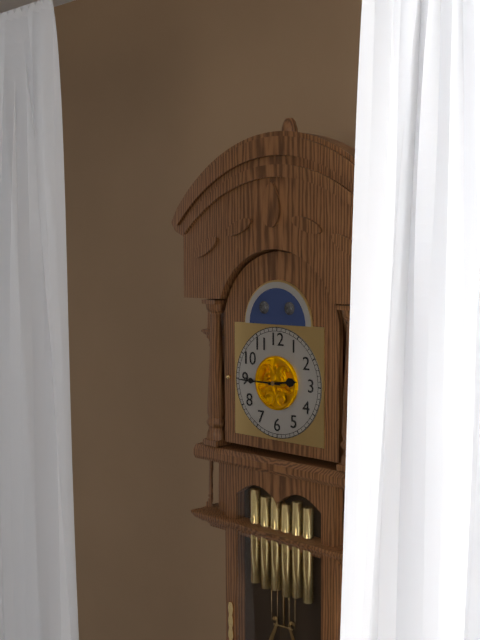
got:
h=2 m=45
